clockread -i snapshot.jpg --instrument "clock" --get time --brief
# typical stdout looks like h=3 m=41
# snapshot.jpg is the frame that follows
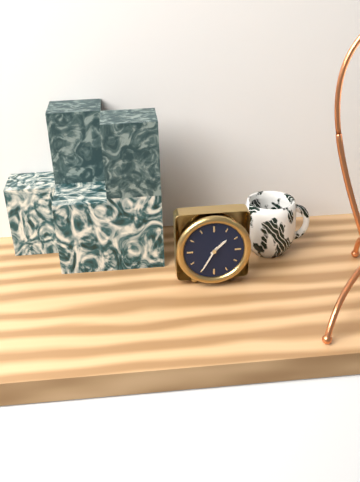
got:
h=1 m=35
